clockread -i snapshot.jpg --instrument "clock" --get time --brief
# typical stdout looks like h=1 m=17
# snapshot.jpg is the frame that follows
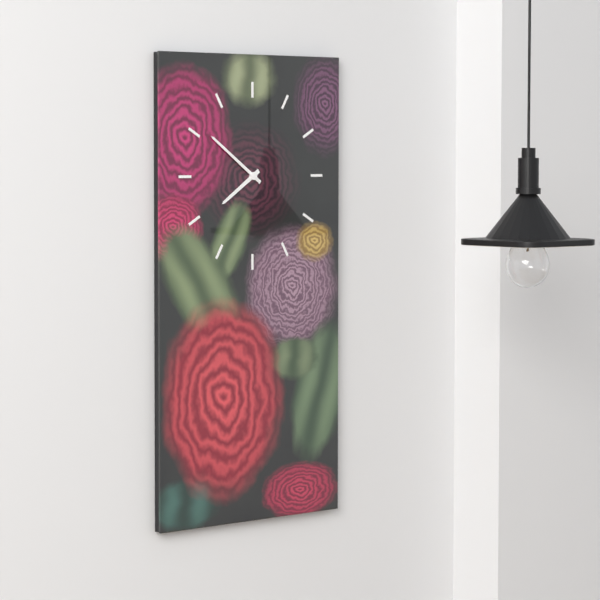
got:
h=7 m=51
